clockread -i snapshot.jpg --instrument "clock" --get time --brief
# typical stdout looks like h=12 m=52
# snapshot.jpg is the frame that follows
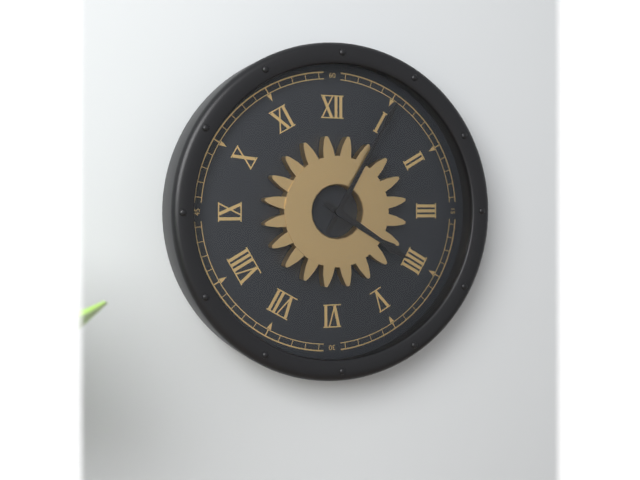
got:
h=4 m=5
